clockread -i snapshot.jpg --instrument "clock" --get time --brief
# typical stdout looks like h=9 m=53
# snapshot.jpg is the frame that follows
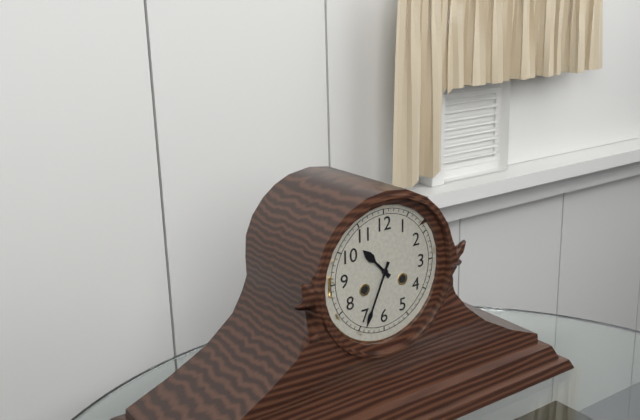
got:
h=10 m=34
